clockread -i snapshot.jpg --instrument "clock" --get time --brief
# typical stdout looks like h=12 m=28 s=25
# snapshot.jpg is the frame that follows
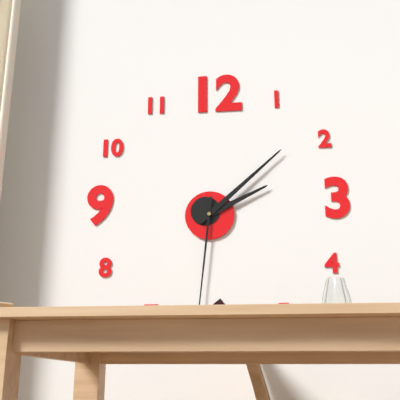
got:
h=2 m=8 s=31
